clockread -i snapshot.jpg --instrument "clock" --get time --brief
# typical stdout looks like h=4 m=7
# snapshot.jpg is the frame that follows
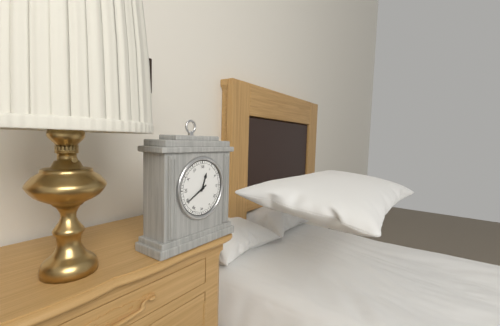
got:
h=12 m=40
